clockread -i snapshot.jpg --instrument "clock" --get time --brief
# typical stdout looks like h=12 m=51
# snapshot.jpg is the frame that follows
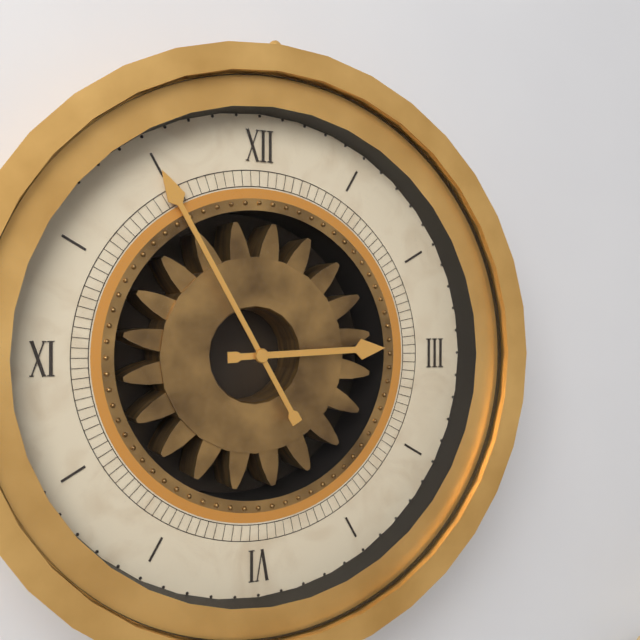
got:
h=2 m=55
